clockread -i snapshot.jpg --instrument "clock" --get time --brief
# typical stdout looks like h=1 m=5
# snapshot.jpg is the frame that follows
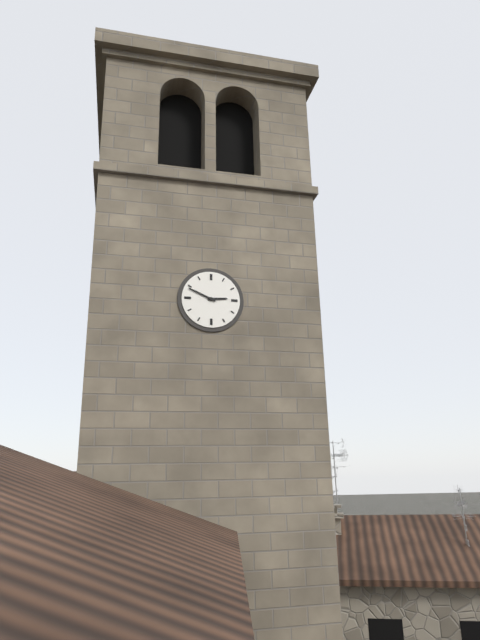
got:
h=2 m=49
